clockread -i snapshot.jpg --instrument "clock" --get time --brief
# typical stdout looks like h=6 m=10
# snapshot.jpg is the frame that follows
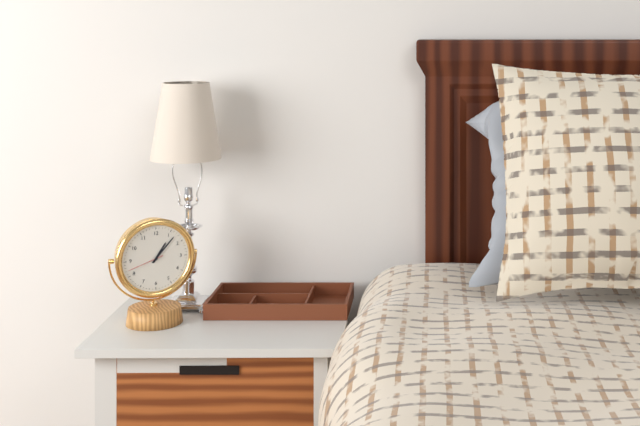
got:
h=1 m=7
